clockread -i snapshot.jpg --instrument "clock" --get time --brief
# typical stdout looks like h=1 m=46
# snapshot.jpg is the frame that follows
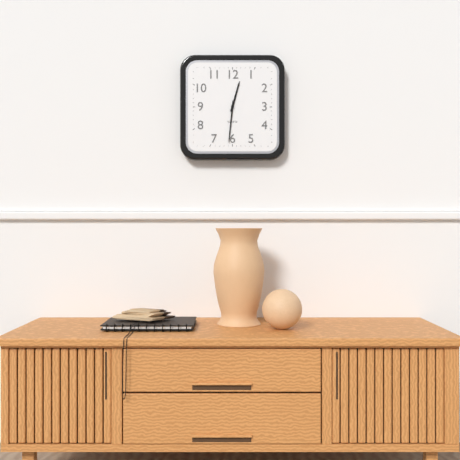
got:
h=12 m=31
